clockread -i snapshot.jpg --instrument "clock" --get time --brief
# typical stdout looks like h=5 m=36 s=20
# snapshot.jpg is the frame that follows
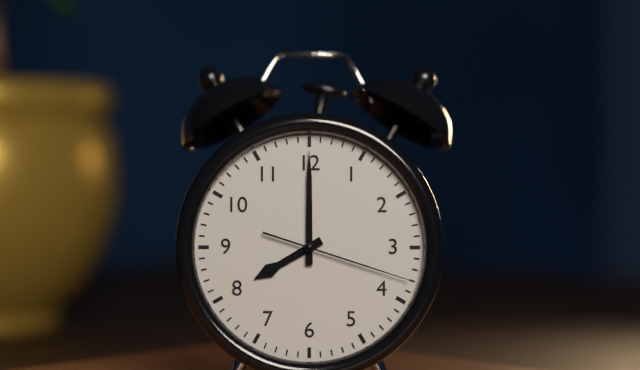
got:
h=8 m=0 s=18
